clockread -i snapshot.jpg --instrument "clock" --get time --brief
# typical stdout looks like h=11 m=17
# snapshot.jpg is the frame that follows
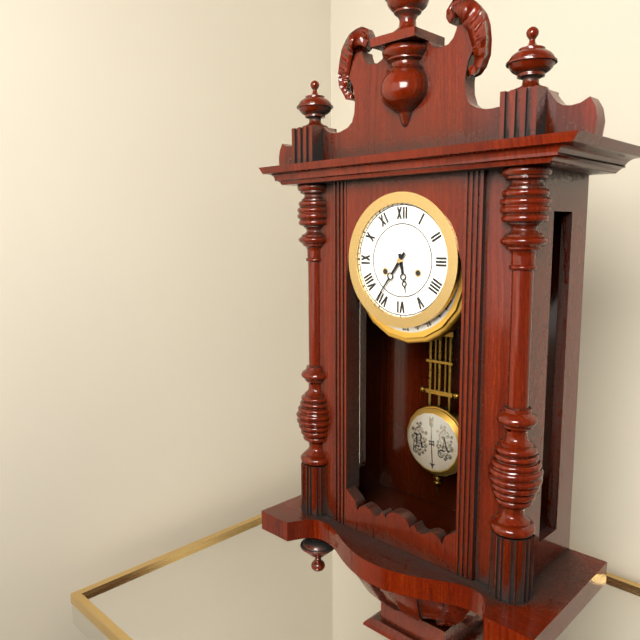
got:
h=5 m=36
